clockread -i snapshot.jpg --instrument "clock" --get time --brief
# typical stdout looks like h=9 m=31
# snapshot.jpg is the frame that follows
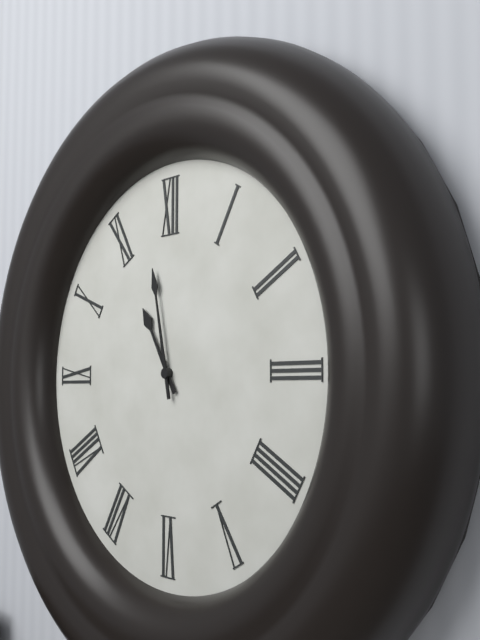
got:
h=10 m=58
